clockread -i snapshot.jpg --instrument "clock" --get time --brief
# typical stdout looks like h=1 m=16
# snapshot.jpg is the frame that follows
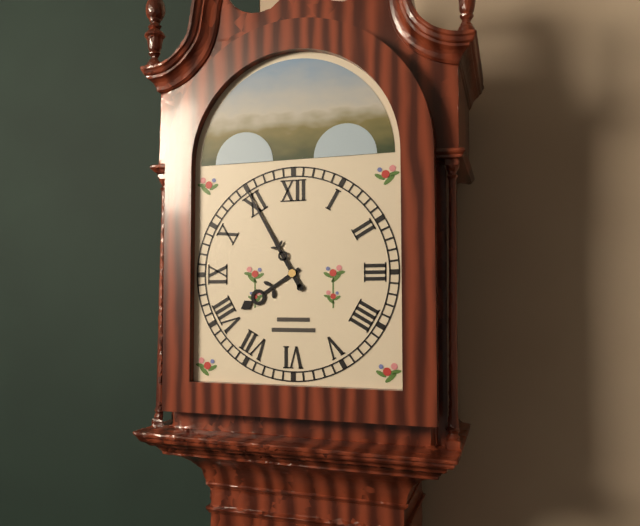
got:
h=7 m=55
